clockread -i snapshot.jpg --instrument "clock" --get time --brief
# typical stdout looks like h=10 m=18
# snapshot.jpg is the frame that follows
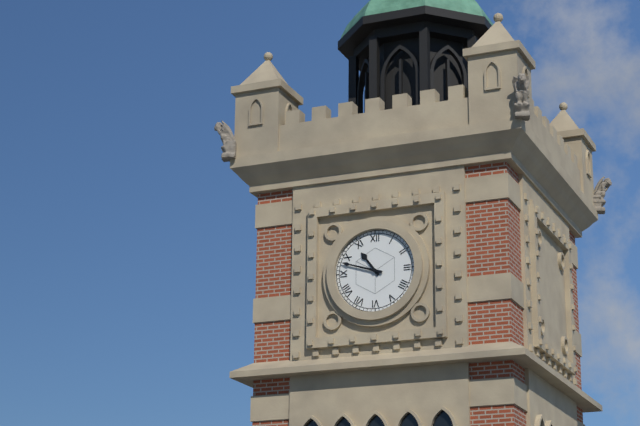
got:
h=10 m=48
